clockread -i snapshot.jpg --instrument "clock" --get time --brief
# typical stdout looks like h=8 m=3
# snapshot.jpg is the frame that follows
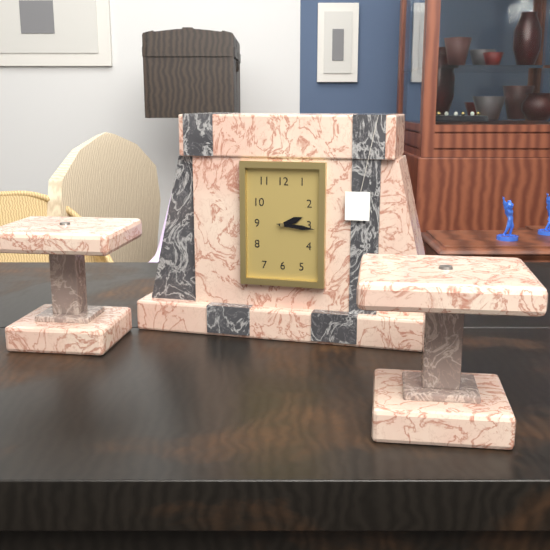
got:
h=2 m=16
